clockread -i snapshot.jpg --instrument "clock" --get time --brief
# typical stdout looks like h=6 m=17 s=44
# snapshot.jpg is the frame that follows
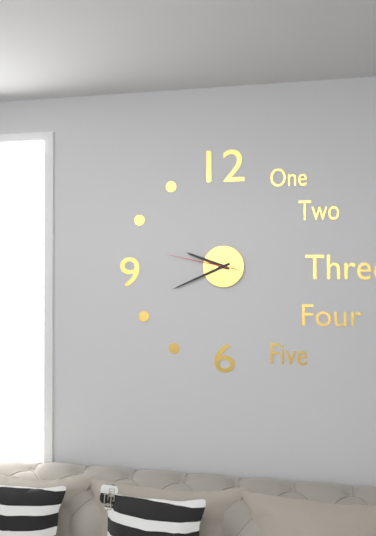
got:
h=9 m=41 s=47
